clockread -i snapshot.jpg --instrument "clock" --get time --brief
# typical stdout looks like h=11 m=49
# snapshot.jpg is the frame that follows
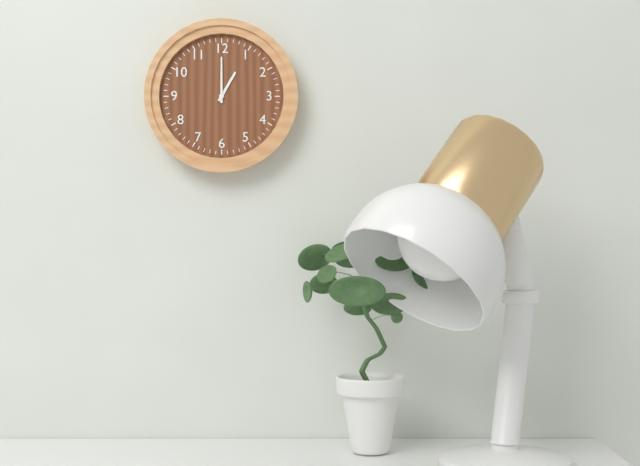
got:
h=1 m=0
